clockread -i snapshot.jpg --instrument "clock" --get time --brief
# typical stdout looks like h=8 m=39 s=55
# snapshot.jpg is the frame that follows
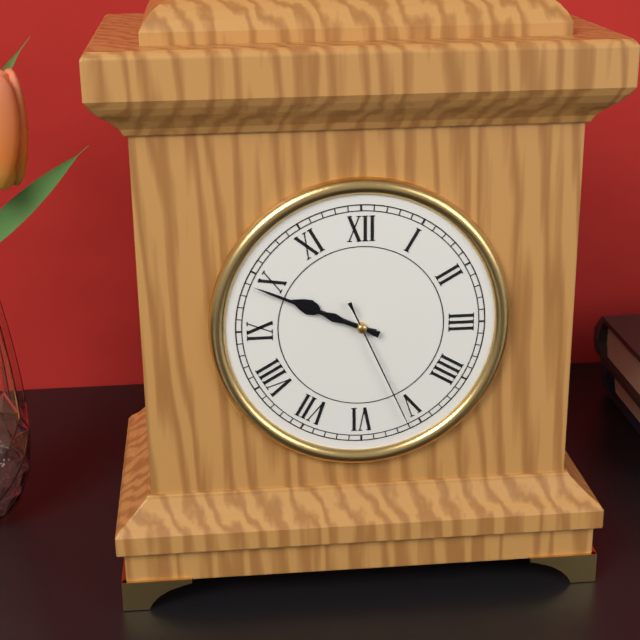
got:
h=9 m=49 s=26
